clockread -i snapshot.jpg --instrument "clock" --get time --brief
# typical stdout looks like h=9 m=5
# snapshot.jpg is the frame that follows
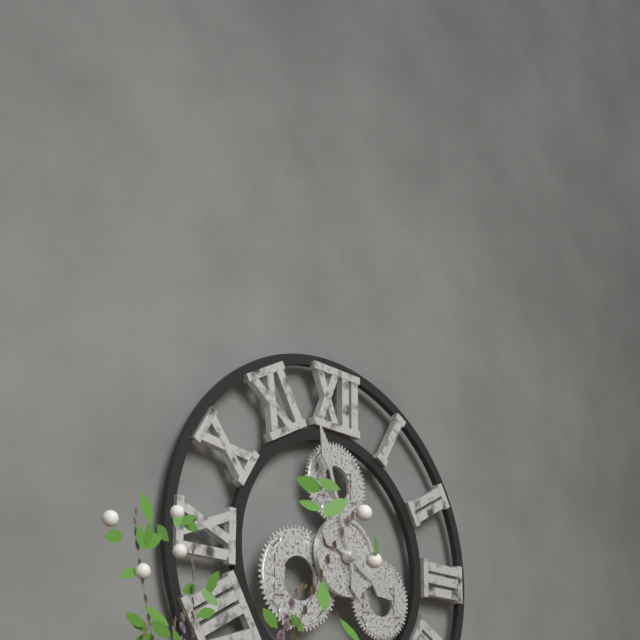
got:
h=3 m=57
